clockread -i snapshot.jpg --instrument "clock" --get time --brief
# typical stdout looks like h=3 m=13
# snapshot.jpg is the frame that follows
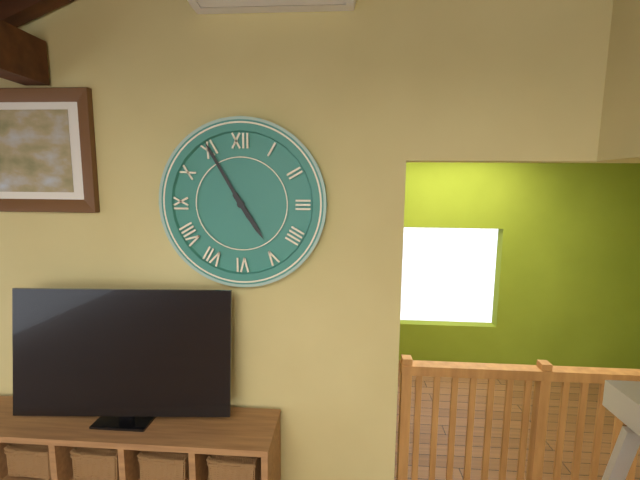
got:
h=4 m=55
